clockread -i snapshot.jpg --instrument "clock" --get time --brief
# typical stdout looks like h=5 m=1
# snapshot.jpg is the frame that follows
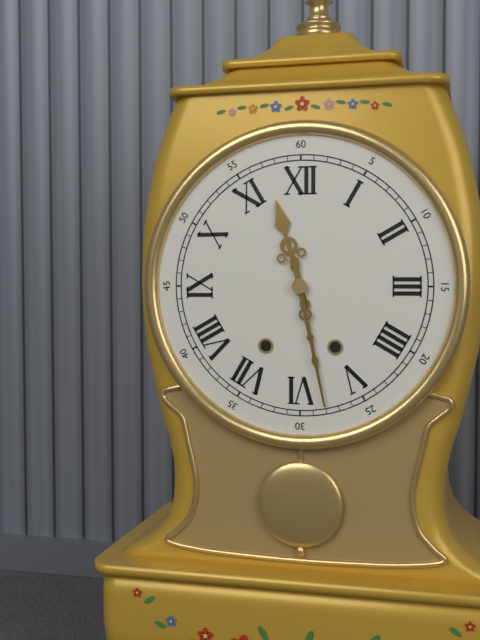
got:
h=11 m=28
